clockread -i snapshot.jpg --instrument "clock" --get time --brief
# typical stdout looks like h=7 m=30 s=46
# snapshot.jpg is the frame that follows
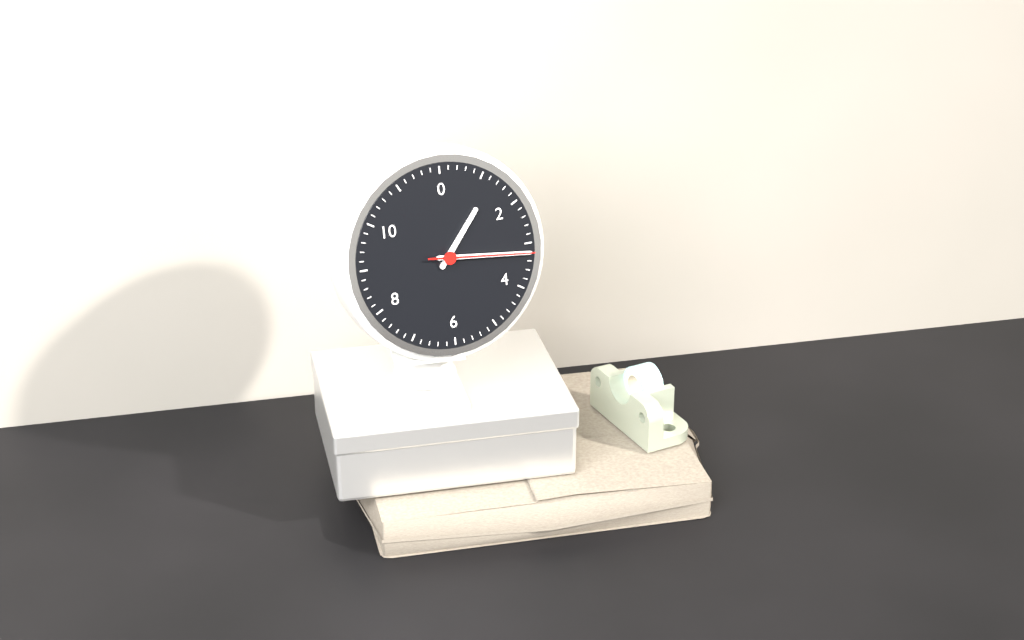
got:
h=1 m=16 s=16
